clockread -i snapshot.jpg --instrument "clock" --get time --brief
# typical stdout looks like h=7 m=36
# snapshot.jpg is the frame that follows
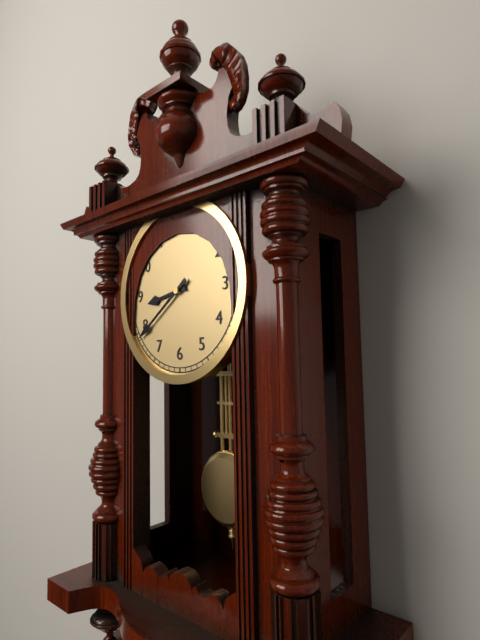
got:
h=8 m=39
